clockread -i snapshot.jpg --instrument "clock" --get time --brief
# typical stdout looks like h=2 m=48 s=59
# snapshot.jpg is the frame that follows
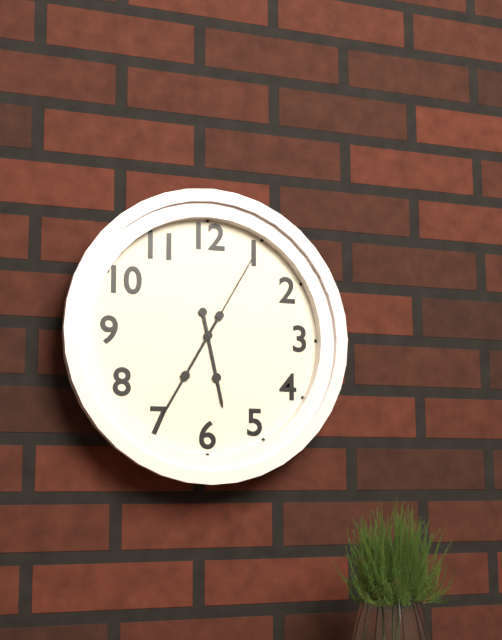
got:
h=5 m=35 s=5
